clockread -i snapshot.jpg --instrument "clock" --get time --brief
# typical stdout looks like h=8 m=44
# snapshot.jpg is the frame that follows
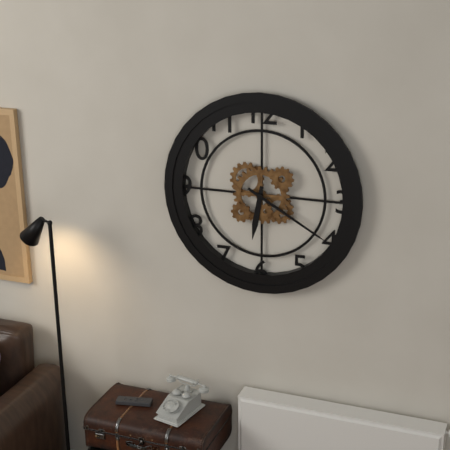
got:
h=6 m=20
